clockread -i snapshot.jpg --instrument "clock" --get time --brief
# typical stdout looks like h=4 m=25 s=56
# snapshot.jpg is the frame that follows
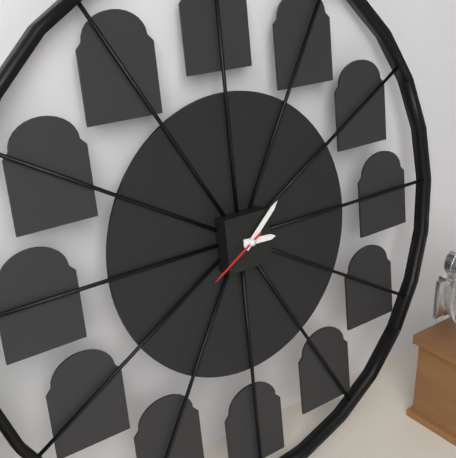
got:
h=3 m=8 s=40
